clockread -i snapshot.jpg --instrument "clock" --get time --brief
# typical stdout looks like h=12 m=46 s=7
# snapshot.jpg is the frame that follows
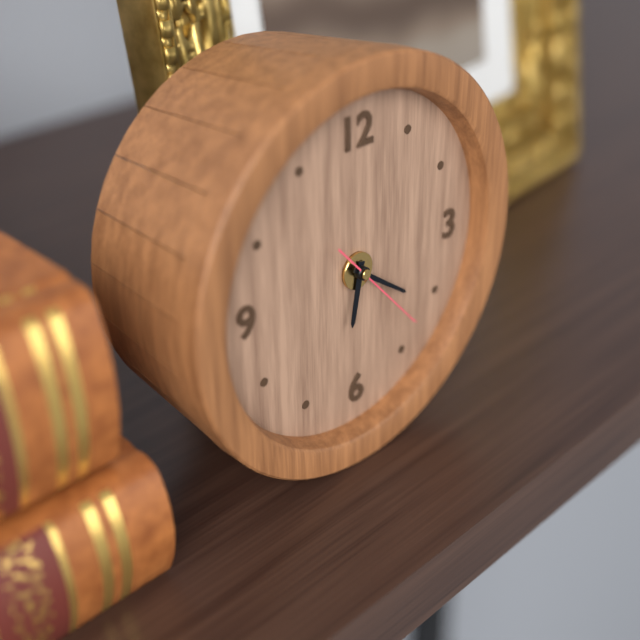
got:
h=6 m=21 s=23
